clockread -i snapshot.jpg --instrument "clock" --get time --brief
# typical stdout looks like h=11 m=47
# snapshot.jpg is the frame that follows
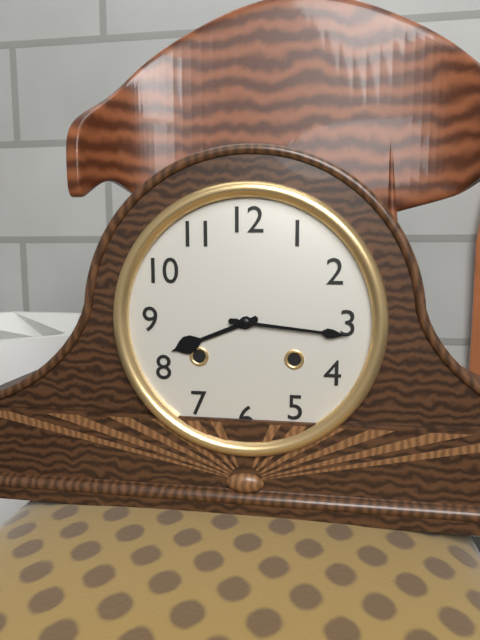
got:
h=8 m=16
